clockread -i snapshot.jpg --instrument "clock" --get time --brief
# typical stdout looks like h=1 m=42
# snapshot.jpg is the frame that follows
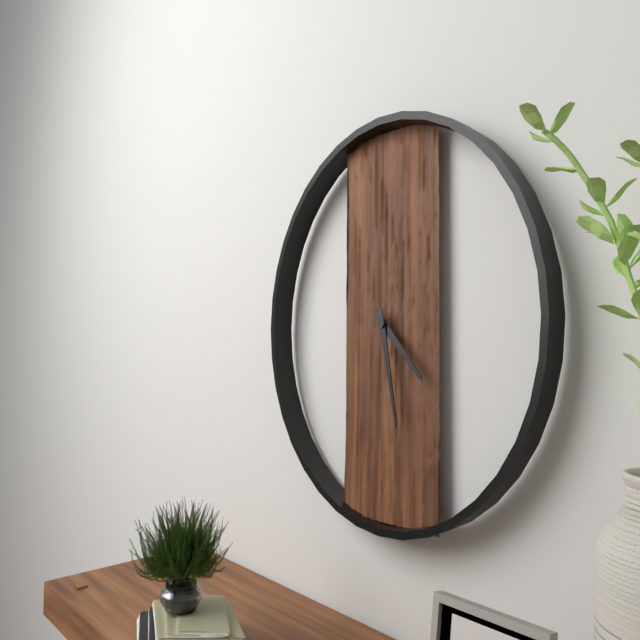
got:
h=4 m=28
